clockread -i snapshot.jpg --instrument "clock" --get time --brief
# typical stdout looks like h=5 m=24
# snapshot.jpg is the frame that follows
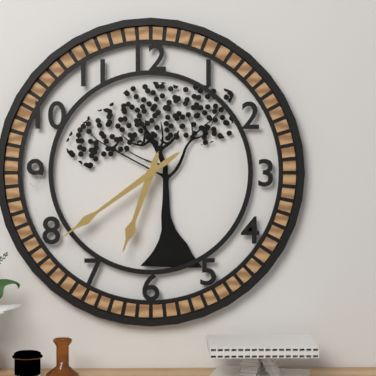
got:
h=6 m=39
